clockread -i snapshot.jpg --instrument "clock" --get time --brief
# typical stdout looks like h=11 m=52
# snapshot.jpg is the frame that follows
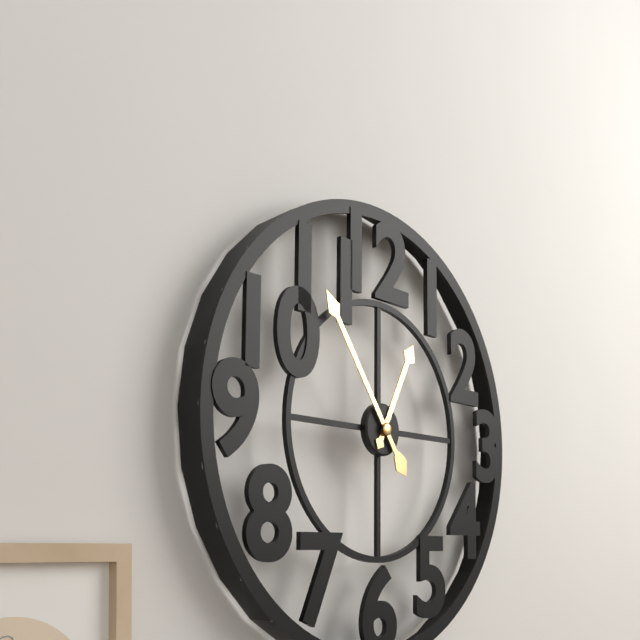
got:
h=12 m=54
